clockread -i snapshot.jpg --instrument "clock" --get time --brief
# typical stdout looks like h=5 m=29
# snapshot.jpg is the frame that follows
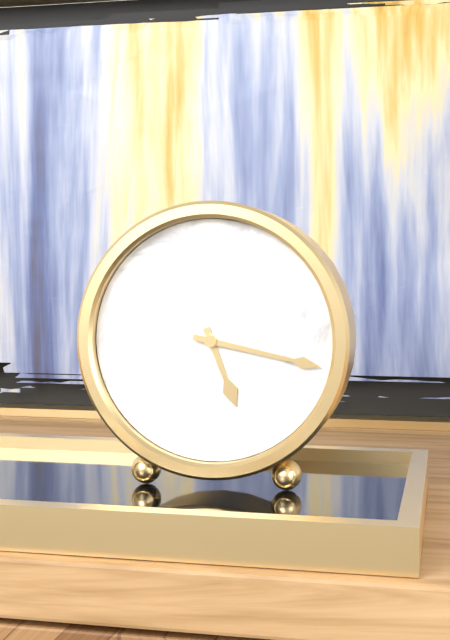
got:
h=5 m=17
